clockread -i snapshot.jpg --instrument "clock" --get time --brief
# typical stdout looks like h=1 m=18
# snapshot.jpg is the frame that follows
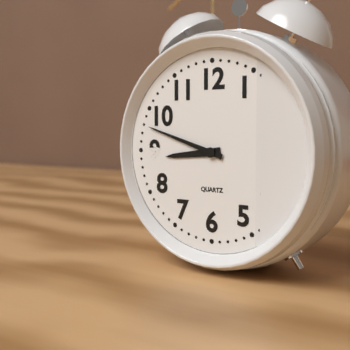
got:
h=8 m=48
